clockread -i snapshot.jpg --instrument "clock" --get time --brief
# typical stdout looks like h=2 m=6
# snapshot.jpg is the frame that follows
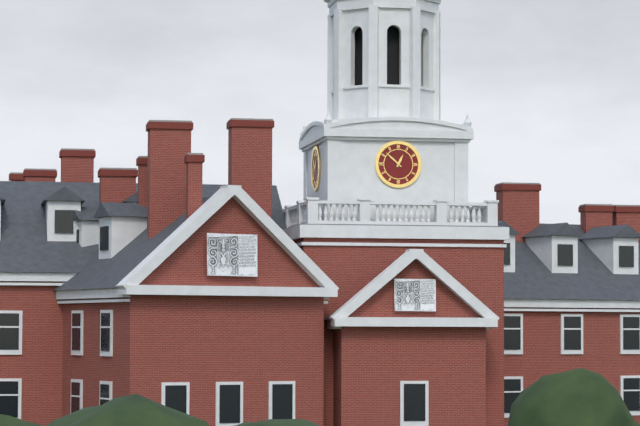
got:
h=12 m=52
